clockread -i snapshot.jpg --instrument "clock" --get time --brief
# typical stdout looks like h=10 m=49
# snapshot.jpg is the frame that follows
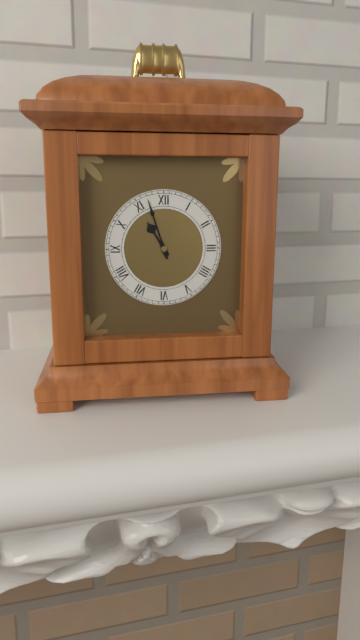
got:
h=10 m=57
